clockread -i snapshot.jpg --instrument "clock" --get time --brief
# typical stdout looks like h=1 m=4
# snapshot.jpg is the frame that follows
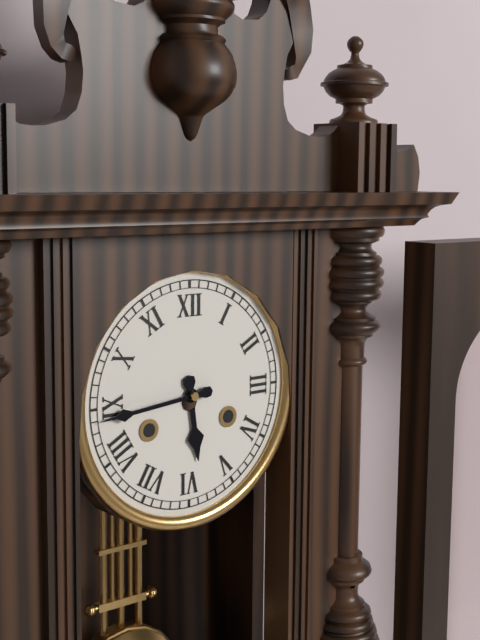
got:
h=5 m=44
